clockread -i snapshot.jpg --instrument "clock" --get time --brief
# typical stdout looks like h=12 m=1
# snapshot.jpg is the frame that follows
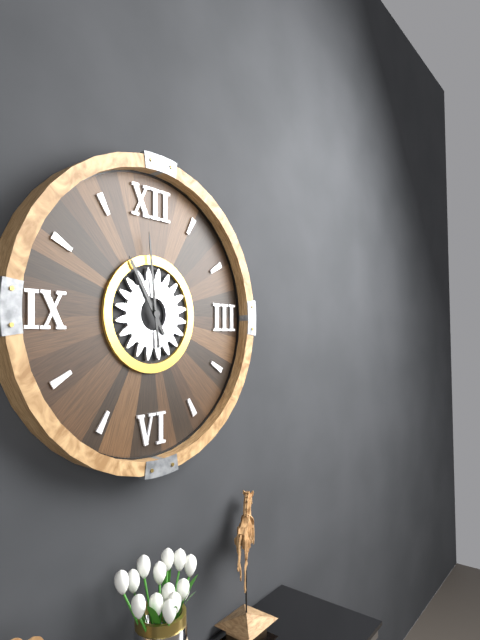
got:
h=10 m=59
